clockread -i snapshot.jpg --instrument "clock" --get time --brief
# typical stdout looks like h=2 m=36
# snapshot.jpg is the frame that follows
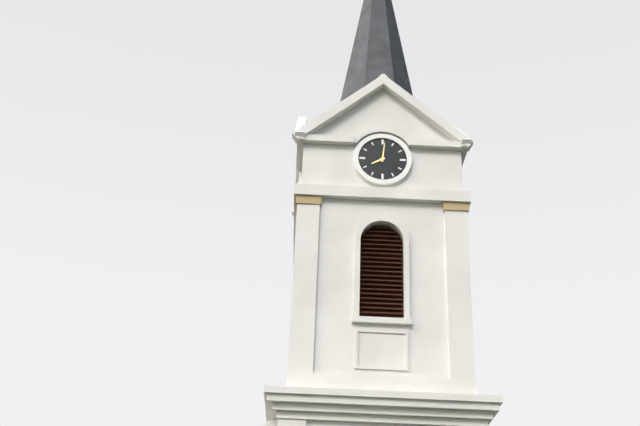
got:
h=8 m=1
